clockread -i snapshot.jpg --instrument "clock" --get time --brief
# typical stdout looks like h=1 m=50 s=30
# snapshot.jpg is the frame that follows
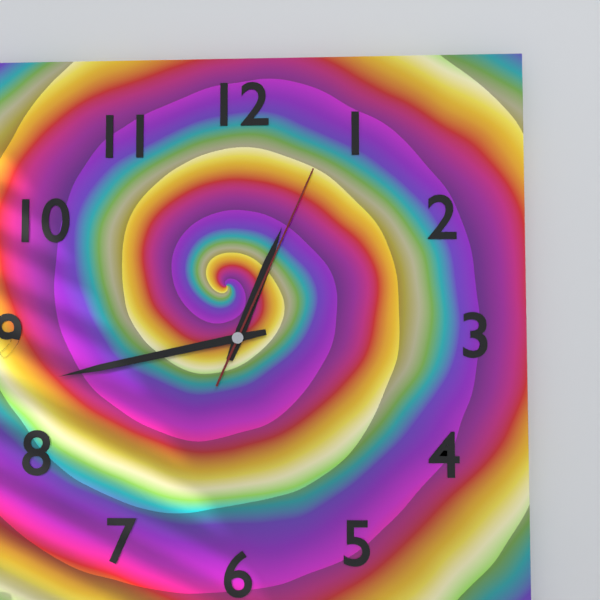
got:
h=12 m=43 s=4
